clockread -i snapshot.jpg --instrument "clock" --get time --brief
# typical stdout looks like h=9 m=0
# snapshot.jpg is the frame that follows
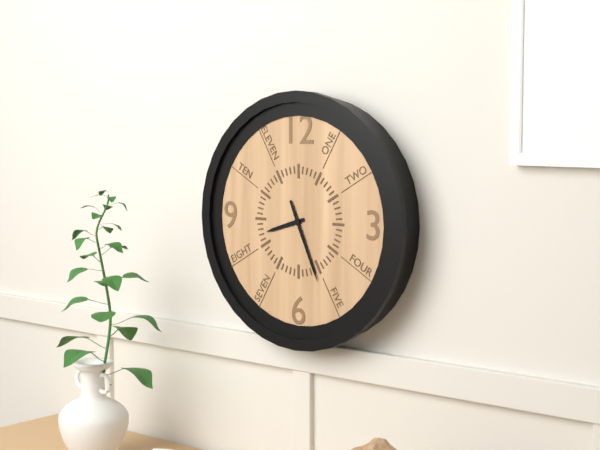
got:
h=8 m=26
